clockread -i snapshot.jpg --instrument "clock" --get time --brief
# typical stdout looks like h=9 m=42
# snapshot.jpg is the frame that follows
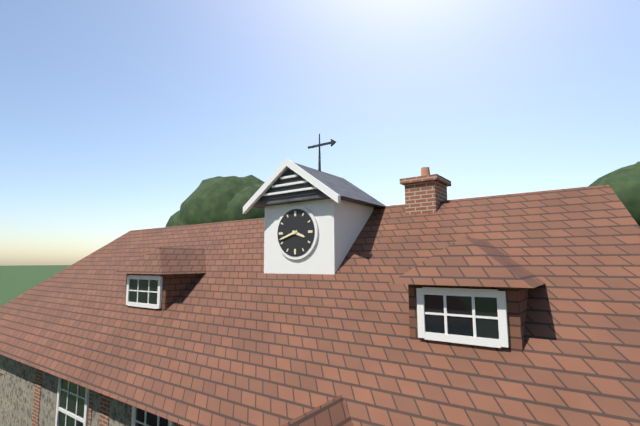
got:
h=3 m=42
